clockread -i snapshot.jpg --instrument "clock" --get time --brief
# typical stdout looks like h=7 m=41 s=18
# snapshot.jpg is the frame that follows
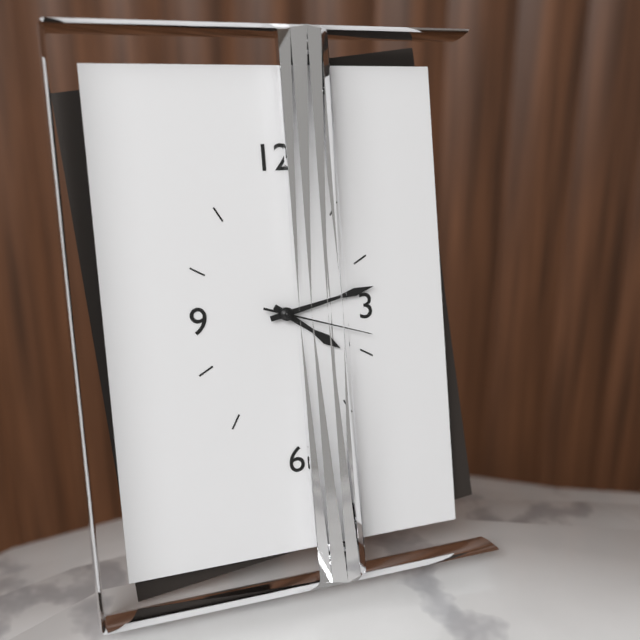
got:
h=4 m=13 s=18
